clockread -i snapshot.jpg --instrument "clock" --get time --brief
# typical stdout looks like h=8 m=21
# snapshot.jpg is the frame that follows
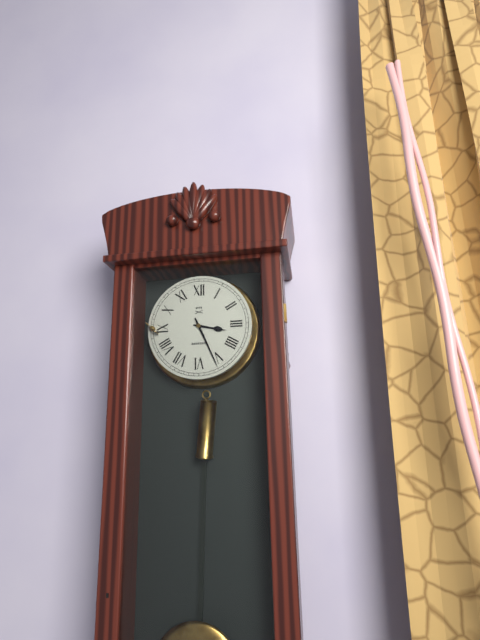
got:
h=3 m=26
